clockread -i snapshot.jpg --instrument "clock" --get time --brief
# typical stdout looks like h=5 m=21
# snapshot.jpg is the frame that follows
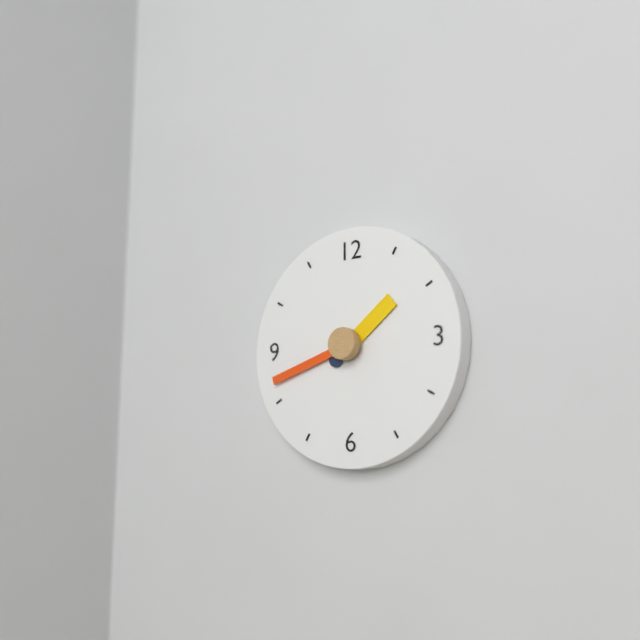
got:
h=1 m=42
